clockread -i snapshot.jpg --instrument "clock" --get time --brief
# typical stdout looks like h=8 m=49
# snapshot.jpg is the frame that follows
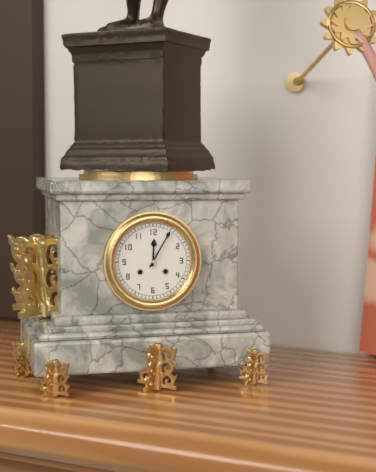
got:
h=12 m=5
